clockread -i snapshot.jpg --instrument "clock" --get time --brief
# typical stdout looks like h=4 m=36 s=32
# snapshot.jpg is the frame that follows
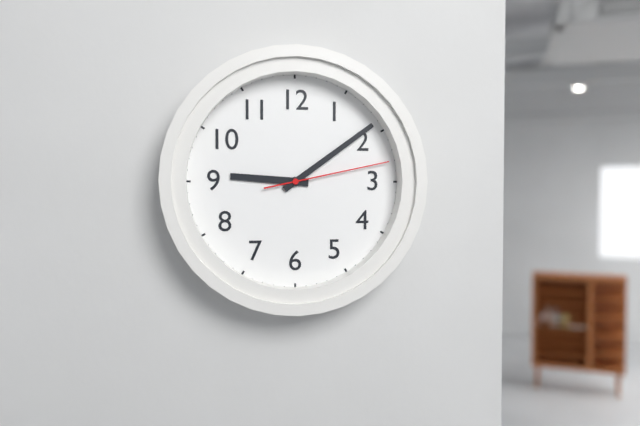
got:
h=9 m=9 s=13
